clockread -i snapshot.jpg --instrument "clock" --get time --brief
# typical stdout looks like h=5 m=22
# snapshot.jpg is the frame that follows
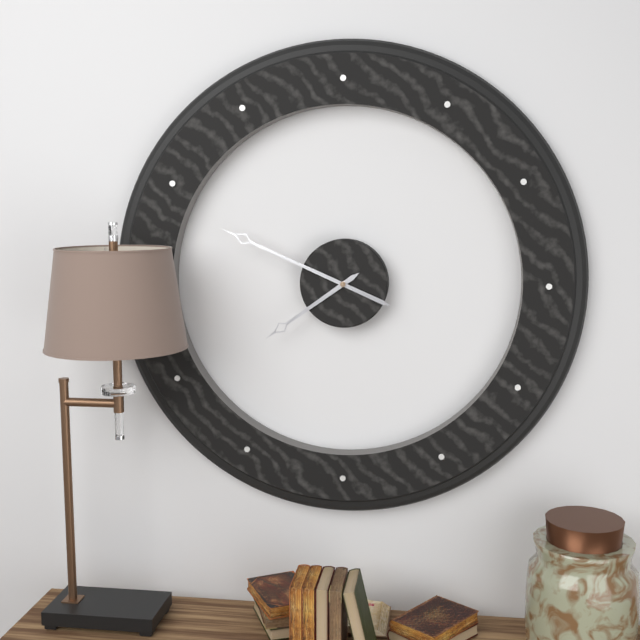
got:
h=7 m=49
